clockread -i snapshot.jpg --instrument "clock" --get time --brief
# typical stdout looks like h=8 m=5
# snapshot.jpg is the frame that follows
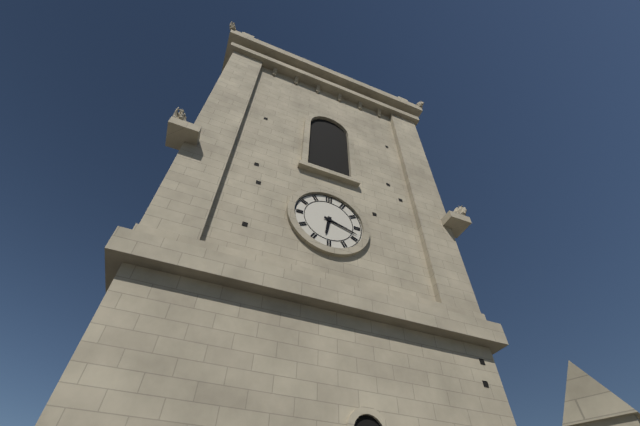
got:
h=6 m=18
